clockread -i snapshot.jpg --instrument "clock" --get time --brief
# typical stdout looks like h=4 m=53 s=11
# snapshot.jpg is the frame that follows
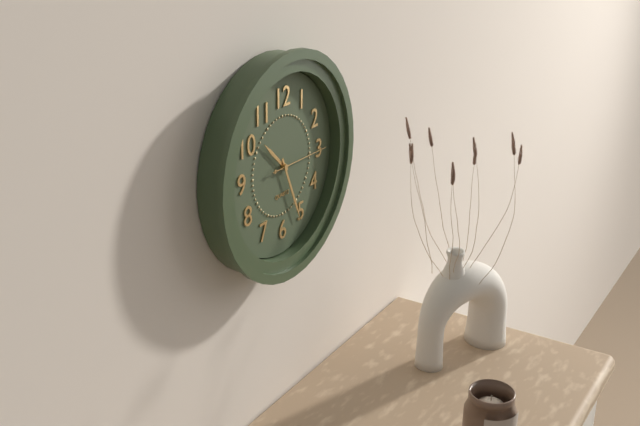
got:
h=10 m=26 s=15
